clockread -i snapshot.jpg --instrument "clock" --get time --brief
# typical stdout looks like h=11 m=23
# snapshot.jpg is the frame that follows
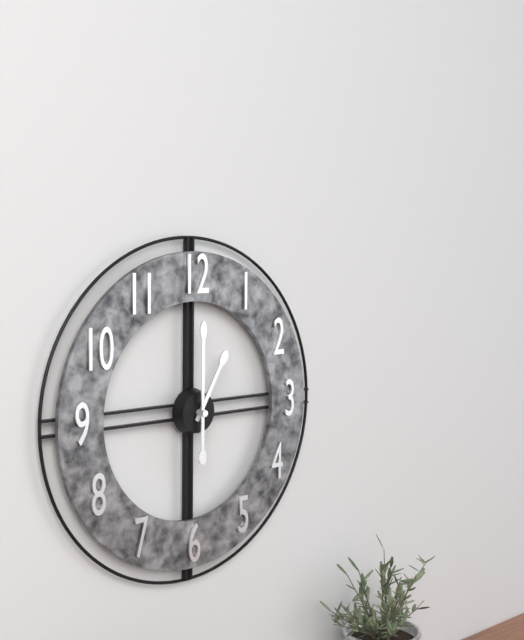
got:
h=1 m=0
